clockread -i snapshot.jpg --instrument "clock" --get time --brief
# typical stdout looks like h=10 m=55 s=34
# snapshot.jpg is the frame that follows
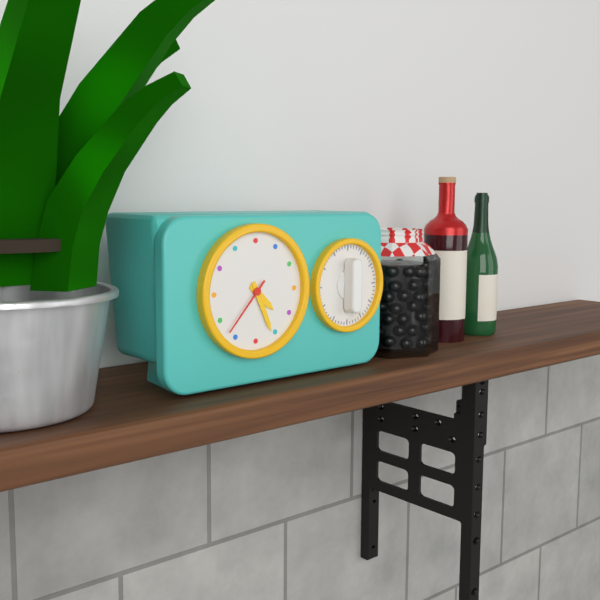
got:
h=4 m=26 s=37
